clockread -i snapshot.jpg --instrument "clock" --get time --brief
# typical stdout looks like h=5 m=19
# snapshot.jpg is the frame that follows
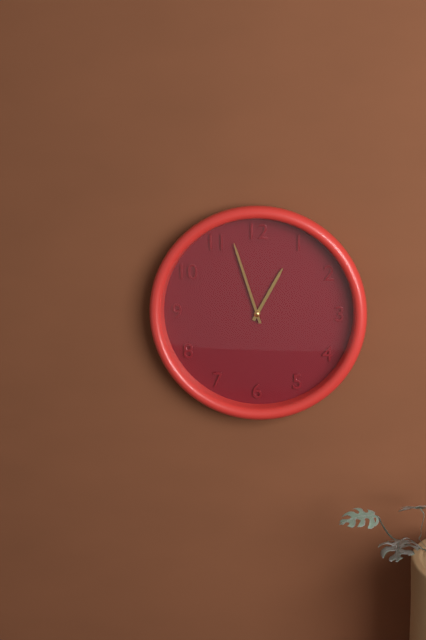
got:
h=12 m=57
